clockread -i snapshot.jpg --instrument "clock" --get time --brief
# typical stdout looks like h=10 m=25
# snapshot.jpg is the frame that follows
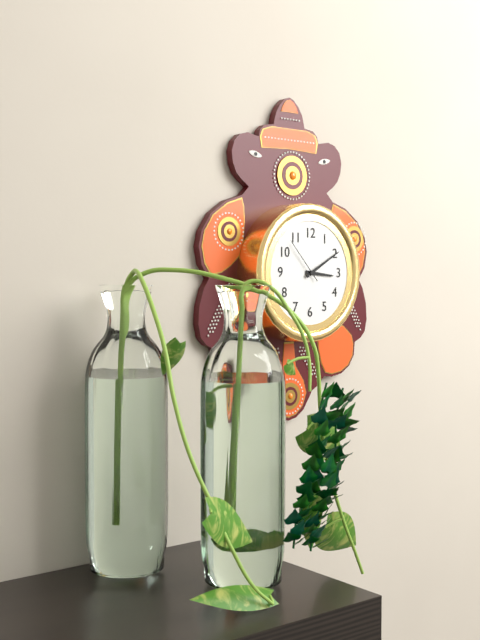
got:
h=3 m=10
